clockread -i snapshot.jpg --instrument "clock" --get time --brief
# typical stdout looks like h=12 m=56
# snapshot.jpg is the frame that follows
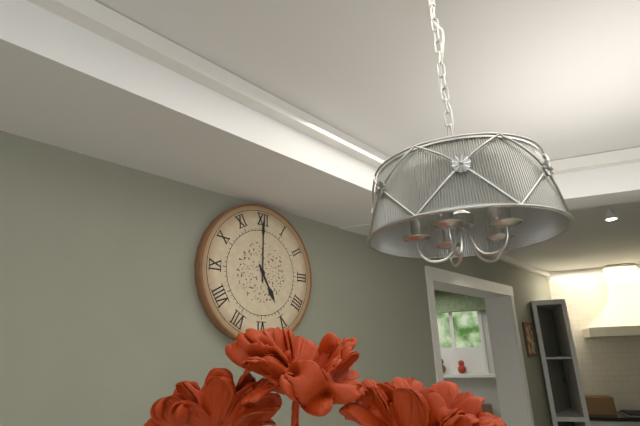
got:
h=5 m=0
